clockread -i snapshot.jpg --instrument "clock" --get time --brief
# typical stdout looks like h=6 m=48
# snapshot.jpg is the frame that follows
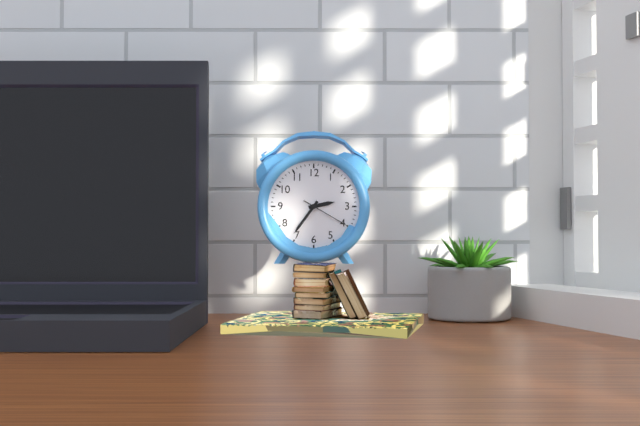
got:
h=2 m=36
